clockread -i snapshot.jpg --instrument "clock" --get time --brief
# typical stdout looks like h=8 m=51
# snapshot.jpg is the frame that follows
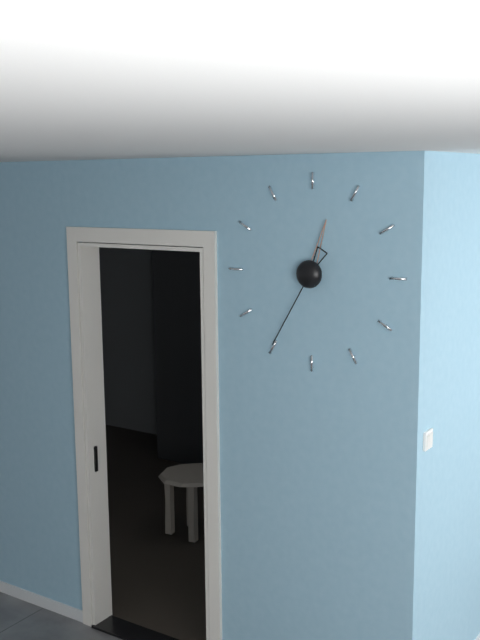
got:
h=12 m=35
